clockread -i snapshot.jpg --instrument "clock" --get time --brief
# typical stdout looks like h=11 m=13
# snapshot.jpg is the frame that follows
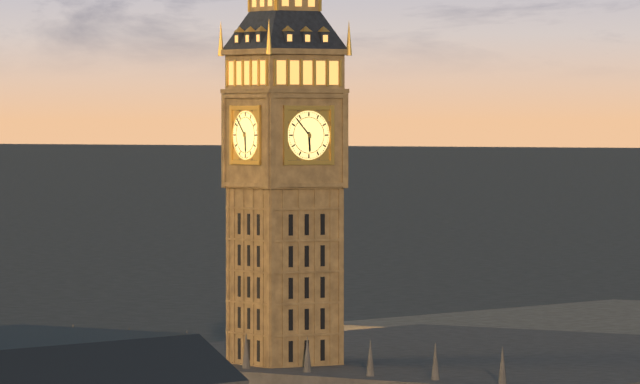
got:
h=5 m=53
